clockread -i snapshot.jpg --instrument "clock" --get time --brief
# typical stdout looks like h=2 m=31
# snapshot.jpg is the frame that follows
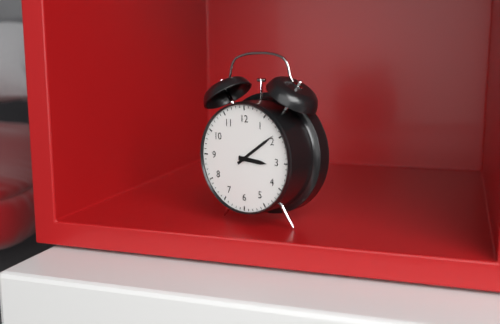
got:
h=3 m=9
